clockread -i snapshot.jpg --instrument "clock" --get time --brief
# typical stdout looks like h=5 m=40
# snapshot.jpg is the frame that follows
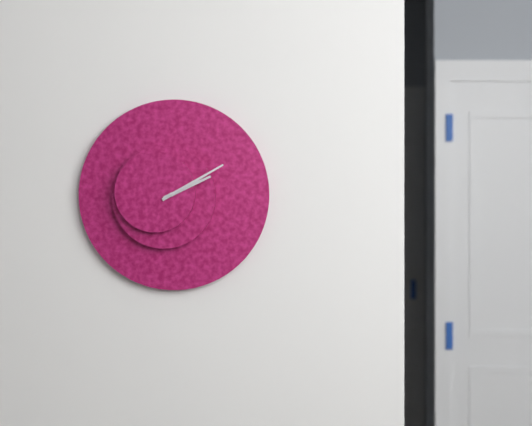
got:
h=2 m=10
